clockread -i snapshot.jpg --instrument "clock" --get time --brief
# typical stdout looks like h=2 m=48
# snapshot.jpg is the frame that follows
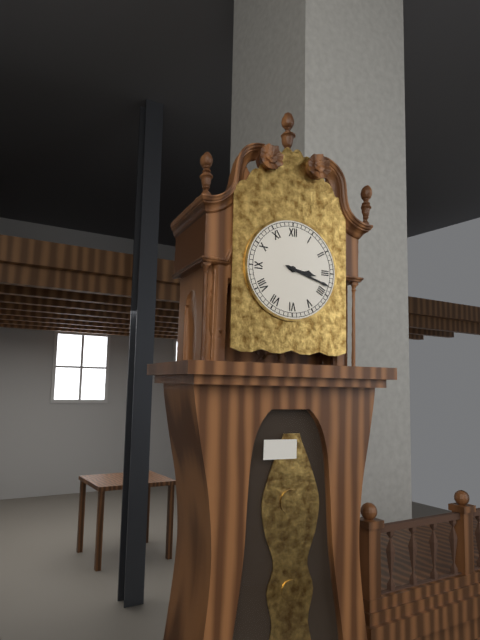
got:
h=3 m=18
